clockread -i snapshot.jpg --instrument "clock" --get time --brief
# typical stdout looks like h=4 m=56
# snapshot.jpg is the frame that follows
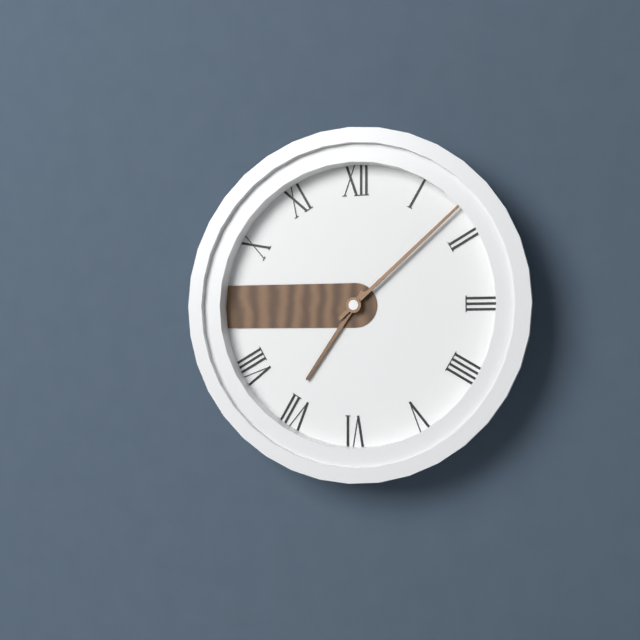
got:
h=7 m=8
